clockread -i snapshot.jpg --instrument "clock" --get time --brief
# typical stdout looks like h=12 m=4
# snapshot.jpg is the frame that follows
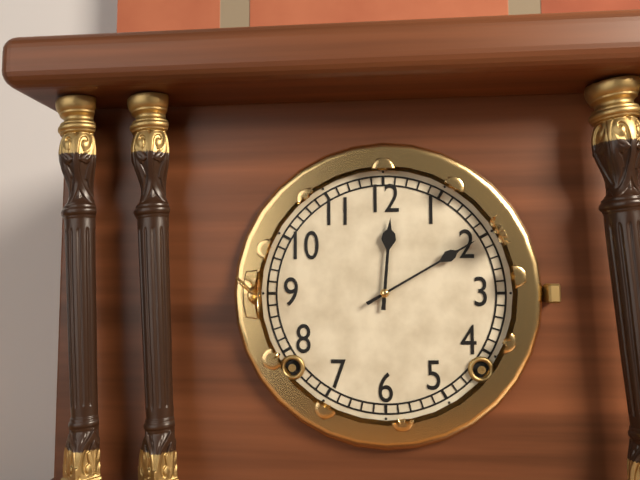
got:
h=12 m=10
